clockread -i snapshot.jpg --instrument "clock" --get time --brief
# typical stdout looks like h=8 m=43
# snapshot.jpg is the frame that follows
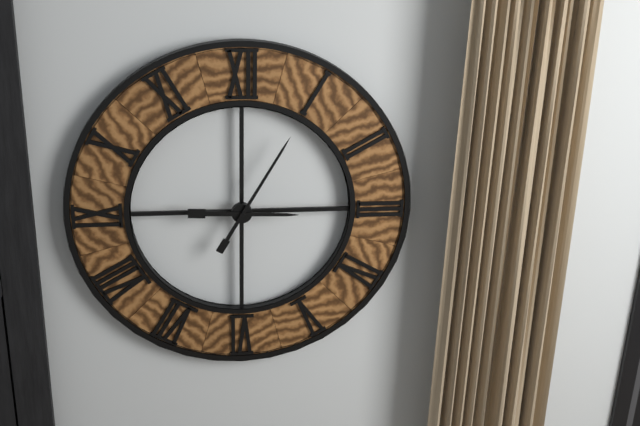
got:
h=3 m=5
